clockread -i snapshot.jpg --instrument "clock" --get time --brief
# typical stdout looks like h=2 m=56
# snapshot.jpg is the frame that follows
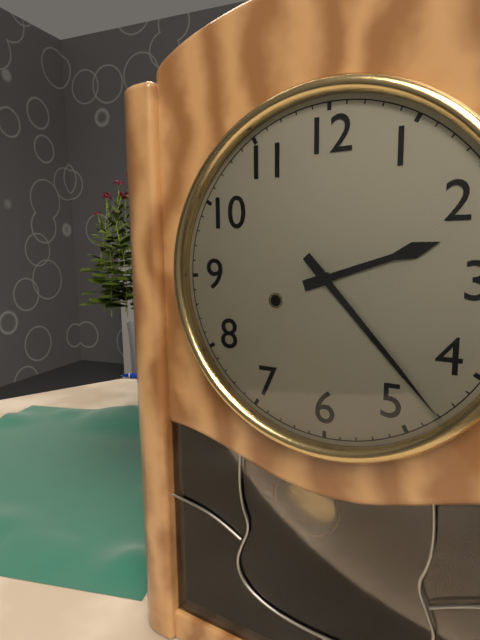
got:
h=2 m=23
